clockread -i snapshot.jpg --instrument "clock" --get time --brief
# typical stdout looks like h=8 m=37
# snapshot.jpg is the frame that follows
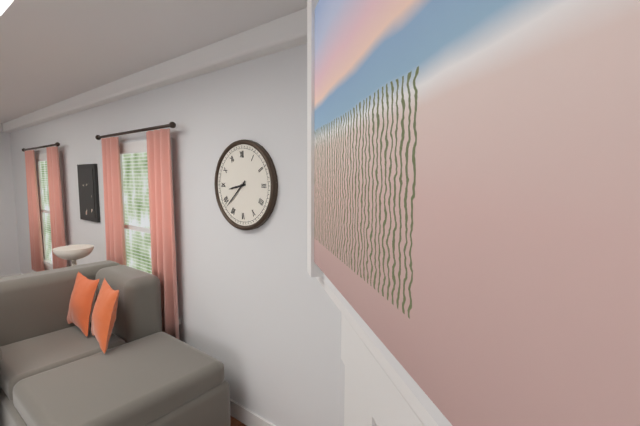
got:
h=8 m=38
